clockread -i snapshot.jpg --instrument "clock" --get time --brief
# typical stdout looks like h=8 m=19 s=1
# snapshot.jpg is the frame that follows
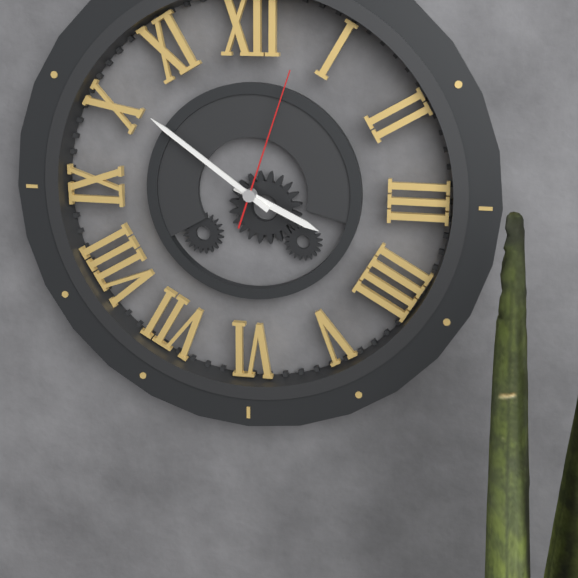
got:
h=3 m=51 s=3
